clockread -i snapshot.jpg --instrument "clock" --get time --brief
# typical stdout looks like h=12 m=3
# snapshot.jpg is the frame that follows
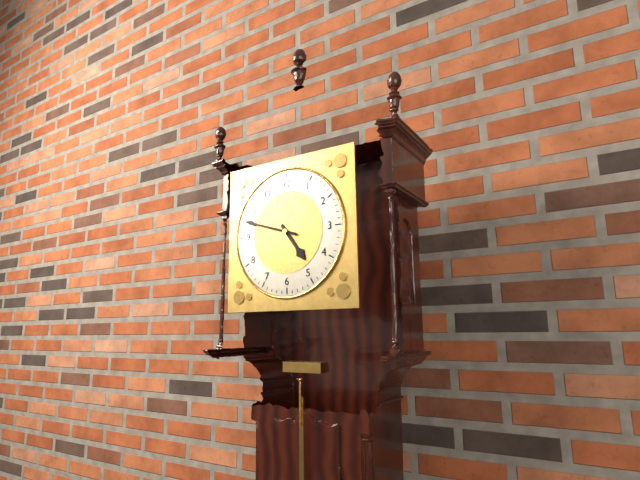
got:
h=4 m=48
